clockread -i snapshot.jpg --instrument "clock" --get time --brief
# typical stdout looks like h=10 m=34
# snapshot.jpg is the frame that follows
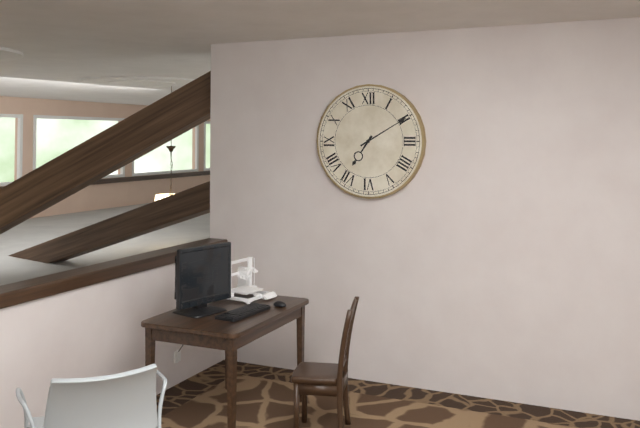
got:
h=7 m=10
